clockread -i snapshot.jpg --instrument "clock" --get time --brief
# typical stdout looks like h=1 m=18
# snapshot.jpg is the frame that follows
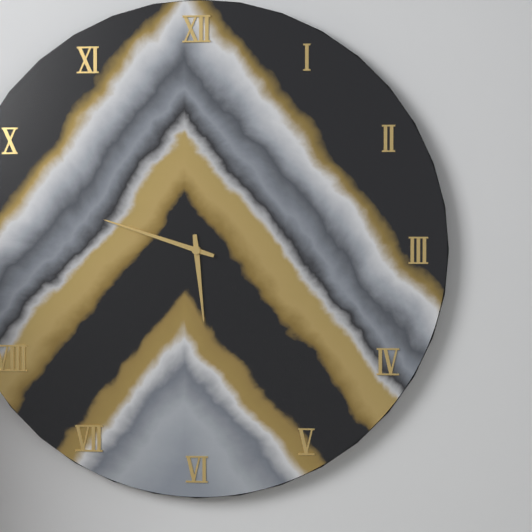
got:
h=5 m=48
